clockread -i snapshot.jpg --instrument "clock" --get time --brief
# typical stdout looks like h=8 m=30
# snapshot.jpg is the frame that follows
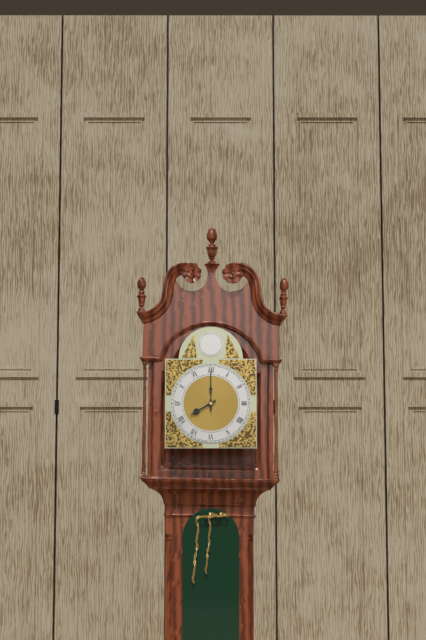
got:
h=8 m=0
